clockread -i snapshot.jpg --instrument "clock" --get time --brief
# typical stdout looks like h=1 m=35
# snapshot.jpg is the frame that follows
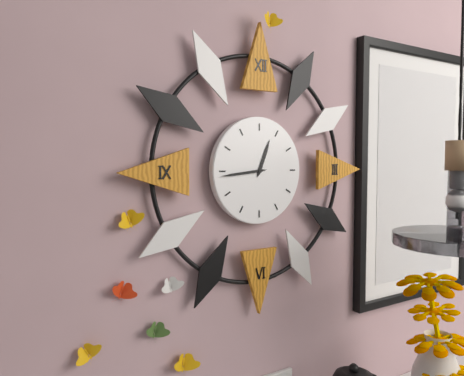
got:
h=12 m=44
